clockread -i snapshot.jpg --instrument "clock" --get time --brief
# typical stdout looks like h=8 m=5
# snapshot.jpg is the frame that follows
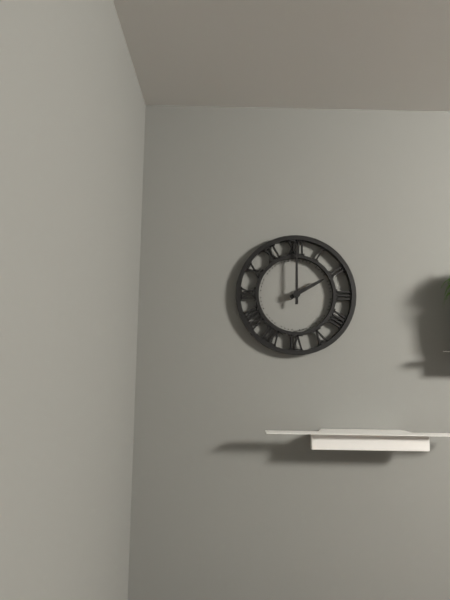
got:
h=2 m=0
